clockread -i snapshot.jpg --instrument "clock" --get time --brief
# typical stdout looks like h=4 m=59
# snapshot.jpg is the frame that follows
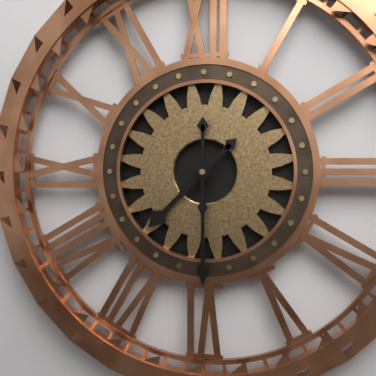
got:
h=7 m=30
